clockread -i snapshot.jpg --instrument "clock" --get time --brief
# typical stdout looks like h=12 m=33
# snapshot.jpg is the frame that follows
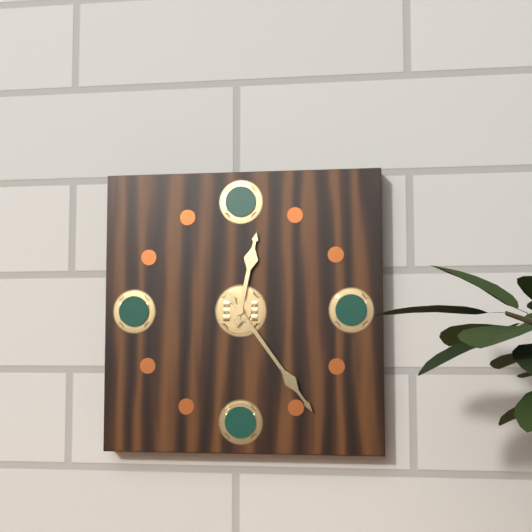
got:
h=12 m=24
